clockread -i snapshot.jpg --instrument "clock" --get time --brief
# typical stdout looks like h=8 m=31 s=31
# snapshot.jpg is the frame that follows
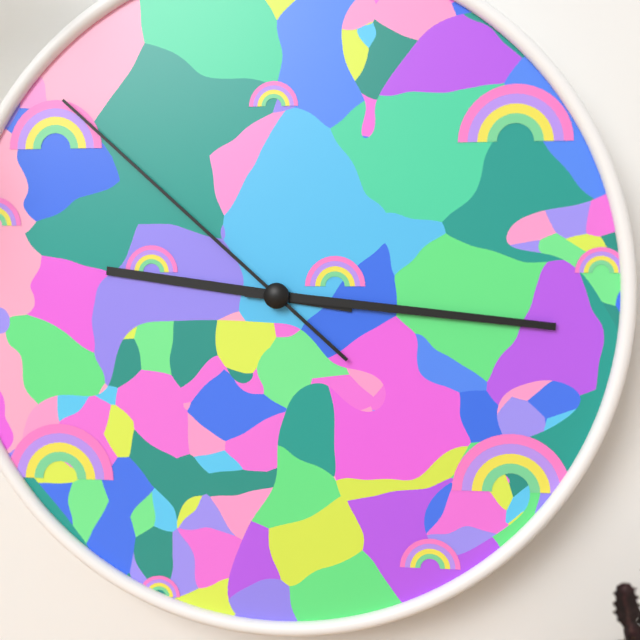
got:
h=9 m=16 s=52
